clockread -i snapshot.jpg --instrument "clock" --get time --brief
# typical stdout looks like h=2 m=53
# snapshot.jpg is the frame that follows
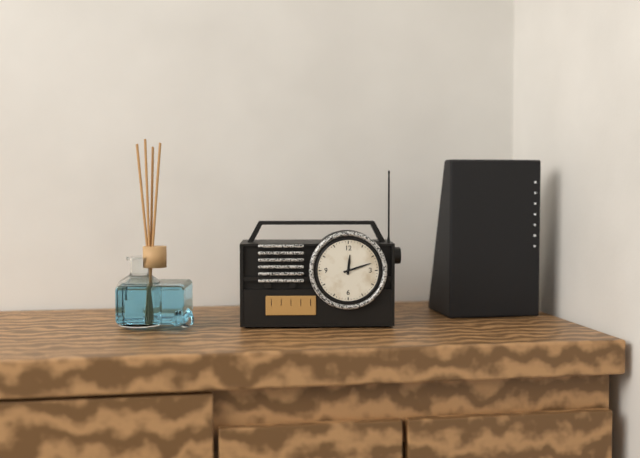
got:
h=12 m=12
